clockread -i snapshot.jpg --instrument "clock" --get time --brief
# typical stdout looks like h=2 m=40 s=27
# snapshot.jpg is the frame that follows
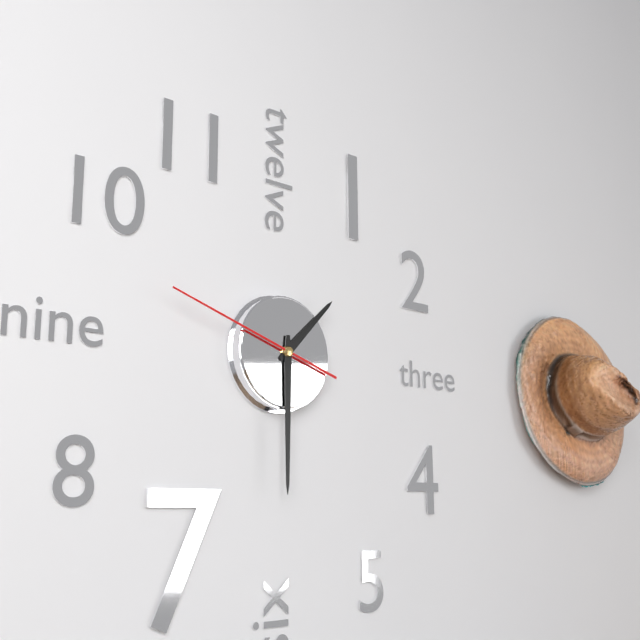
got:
h=1 m=30 s=48
